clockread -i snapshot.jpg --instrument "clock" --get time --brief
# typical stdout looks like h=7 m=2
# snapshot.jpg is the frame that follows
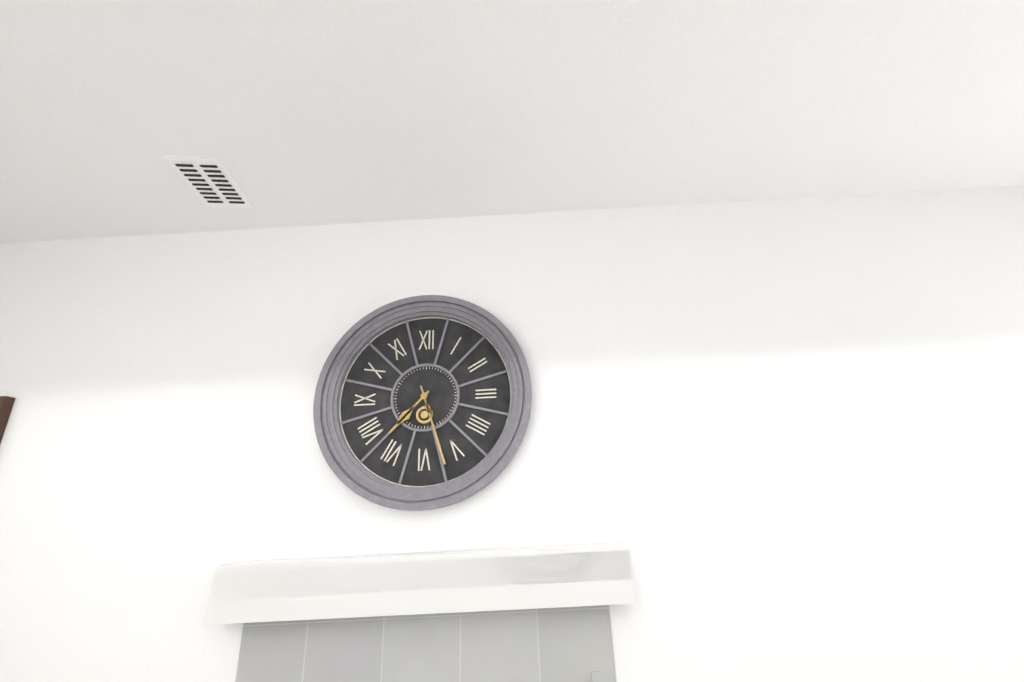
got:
h=7 m=27
